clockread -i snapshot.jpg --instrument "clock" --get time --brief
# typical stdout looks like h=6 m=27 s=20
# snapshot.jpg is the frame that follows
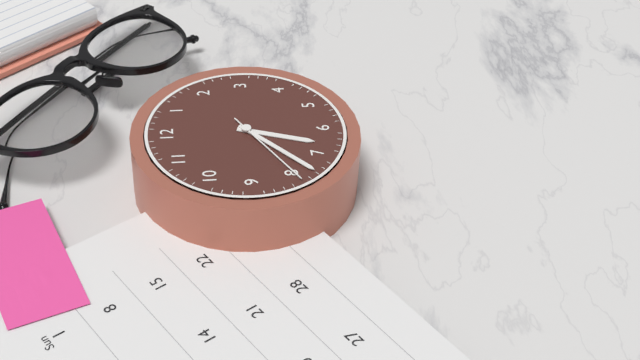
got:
h=6 m=38 s=40
